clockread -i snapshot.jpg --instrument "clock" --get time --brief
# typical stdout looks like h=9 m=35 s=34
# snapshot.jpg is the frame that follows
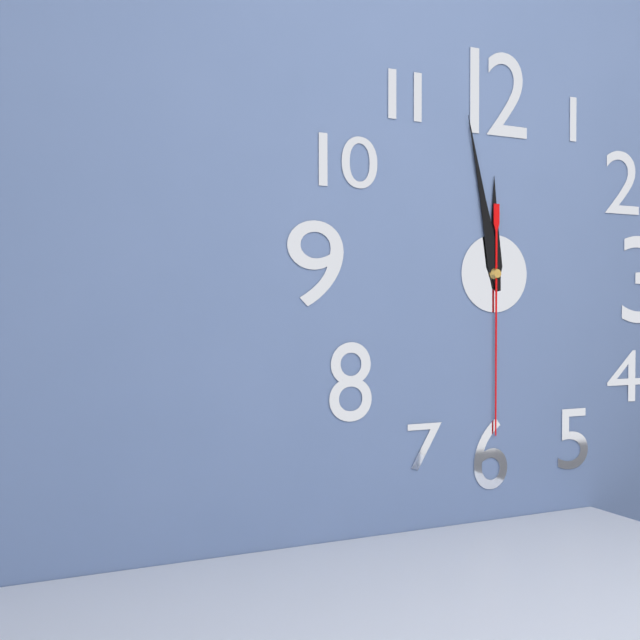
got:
h=11 m=58 s=30
